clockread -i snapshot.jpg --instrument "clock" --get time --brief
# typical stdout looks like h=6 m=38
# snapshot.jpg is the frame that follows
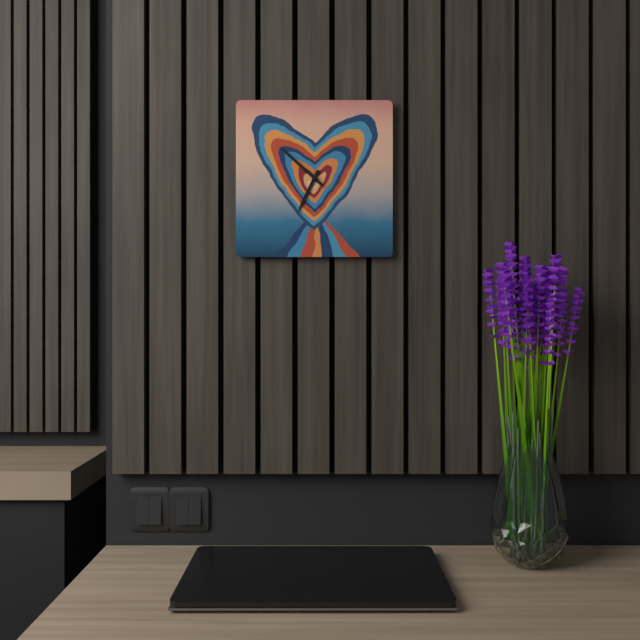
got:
h=6 m=52
